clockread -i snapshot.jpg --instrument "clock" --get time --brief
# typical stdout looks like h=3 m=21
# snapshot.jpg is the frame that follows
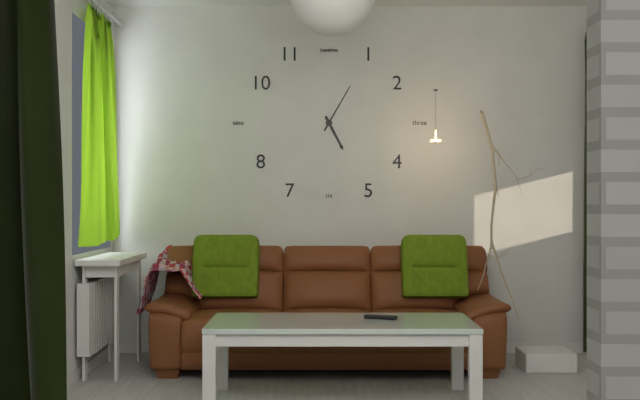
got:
h=5 m=5
